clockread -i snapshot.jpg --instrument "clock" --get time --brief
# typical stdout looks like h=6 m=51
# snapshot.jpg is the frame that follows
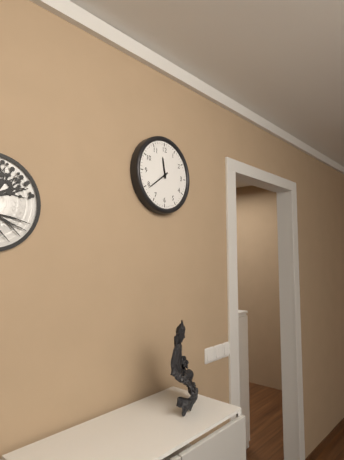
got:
h=11 m=39
